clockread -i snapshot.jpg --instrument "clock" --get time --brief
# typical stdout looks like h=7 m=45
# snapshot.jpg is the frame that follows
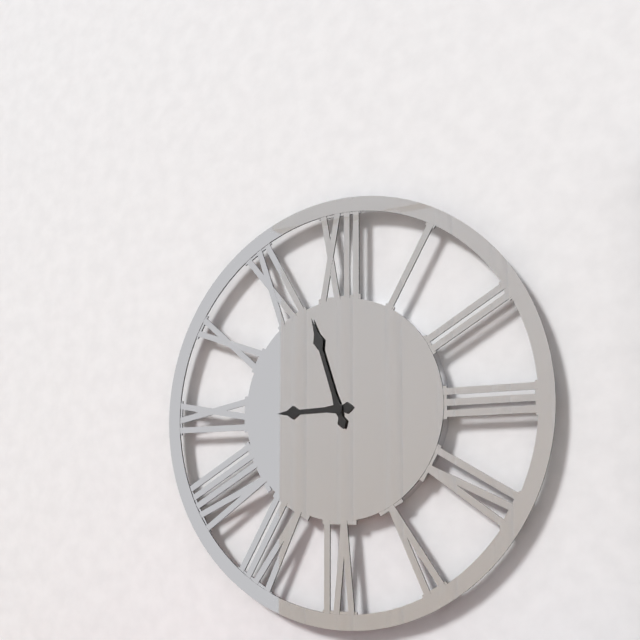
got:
h=8 m=57
